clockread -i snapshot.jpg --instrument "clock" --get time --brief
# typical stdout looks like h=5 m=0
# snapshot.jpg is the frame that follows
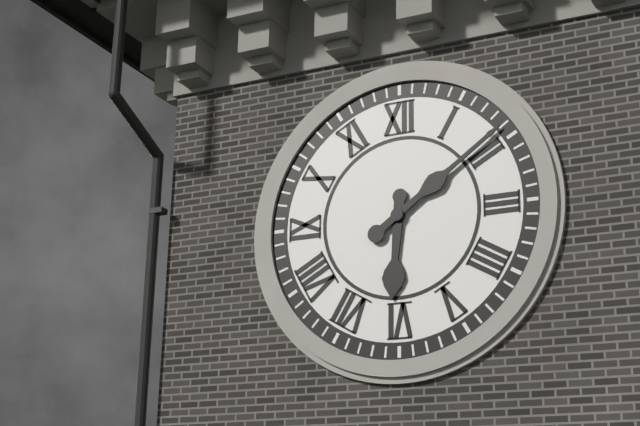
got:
h=6 m=9
